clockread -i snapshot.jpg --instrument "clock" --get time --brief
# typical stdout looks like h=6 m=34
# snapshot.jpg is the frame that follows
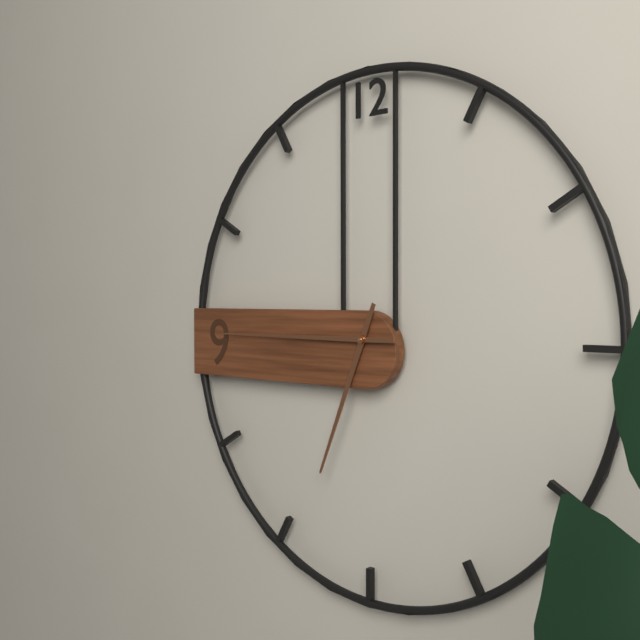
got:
h=6 m=45
